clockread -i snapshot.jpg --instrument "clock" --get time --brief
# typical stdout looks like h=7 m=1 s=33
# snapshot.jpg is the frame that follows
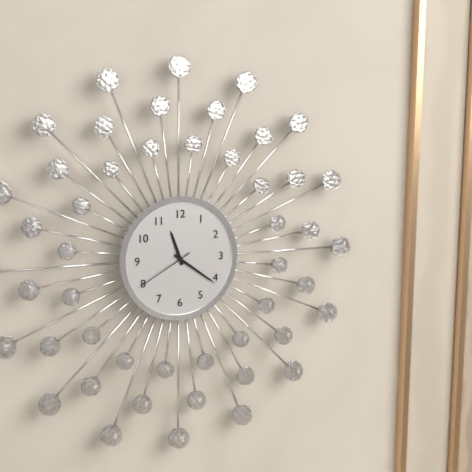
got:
h=11 m=21 s=40
